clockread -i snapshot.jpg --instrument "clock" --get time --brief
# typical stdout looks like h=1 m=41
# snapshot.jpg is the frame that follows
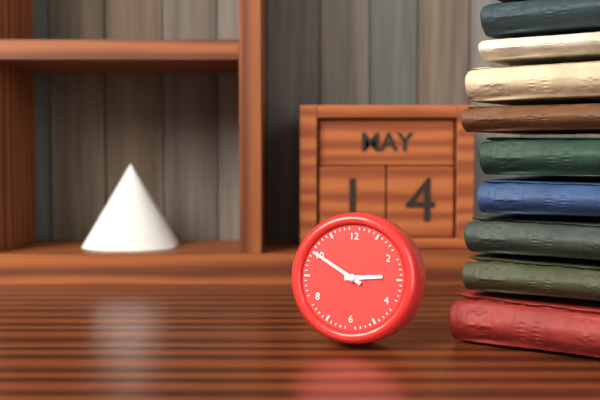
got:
h=2 m=50
